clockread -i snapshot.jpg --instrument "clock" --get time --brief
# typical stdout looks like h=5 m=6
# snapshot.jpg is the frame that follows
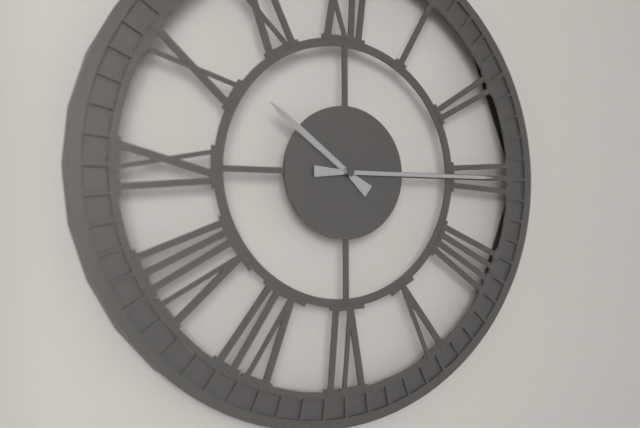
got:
h=10 m=15
